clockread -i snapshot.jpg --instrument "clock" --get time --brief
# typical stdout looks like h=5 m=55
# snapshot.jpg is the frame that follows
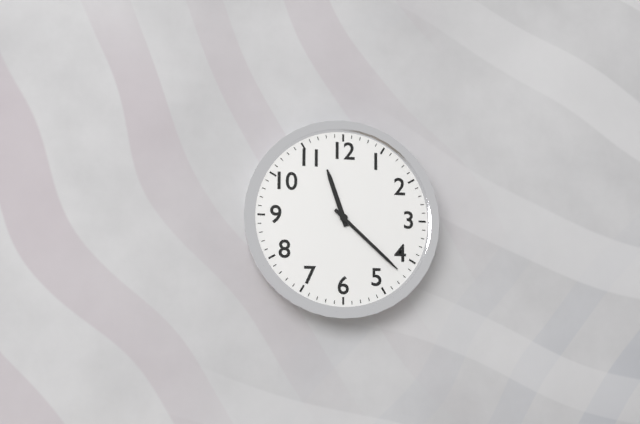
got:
h=11 m=22
